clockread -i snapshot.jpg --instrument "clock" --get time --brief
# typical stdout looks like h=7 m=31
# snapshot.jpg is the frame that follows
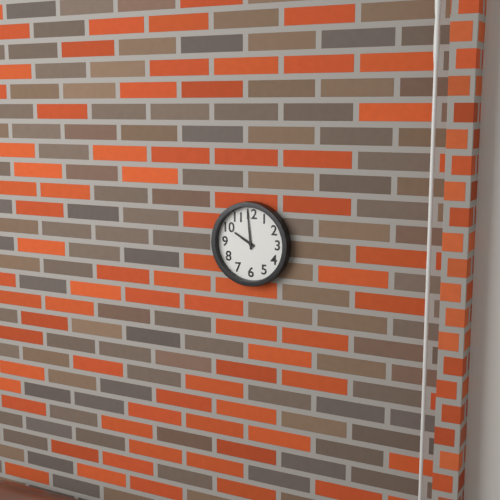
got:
h=9 m=59
